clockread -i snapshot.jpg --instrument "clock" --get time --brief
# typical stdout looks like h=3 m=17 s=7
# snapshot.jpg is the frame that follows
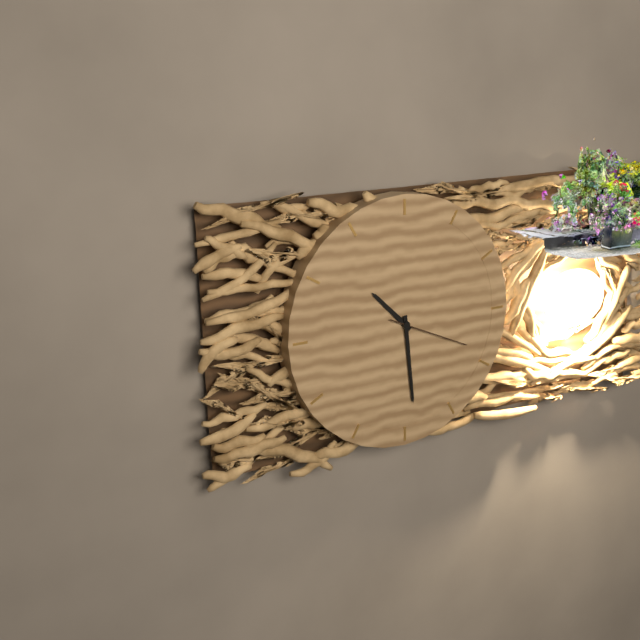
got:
h=10 m=29 s=19
